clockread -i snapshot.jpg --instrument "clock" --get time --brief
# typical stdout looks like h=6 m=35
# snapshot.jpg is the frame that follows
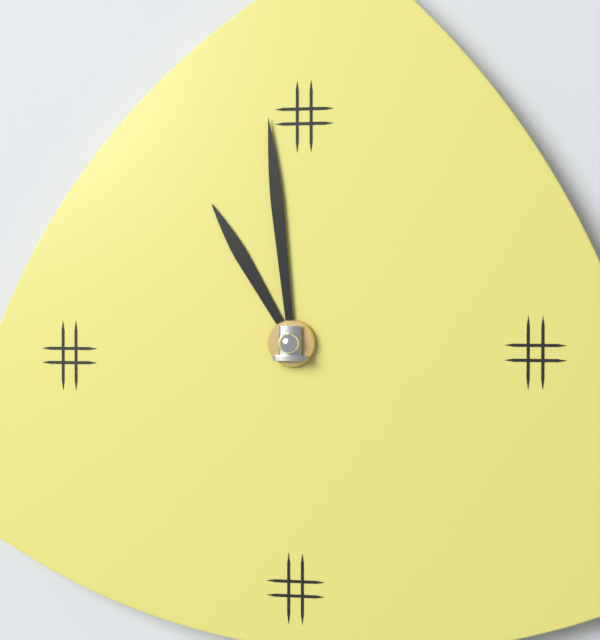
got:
h=10 m=59
